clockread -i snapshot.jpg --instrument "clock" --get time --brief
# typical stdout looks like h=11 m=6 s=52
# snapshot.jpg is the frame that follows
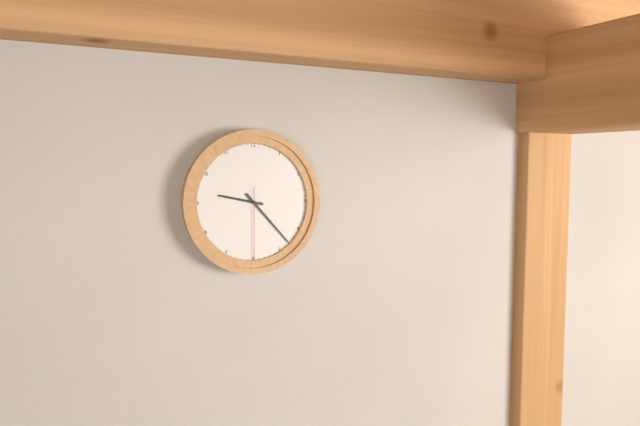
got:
h=9 m=23 s=30
